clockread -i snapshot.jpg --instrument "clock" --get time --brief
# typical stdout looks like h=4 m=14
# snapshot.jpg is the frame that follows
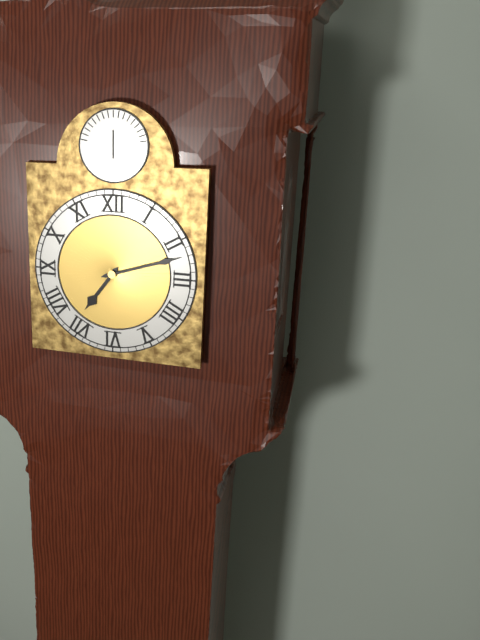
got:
h=7 m=12
